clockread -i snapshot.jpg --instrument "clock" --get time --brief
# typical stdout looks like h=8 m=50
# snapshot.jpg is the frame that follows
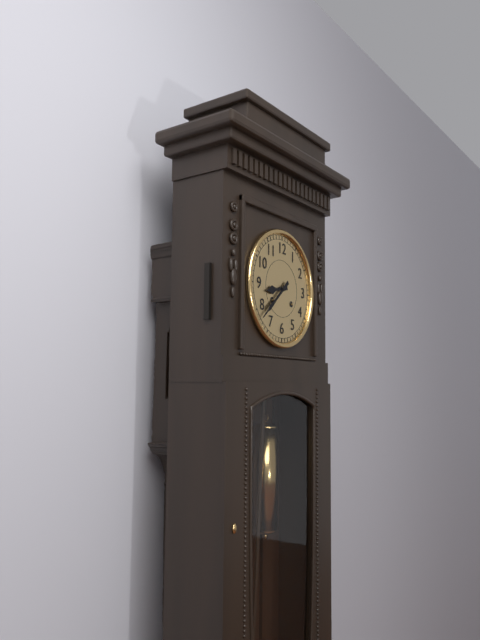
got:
h=8 m=38
